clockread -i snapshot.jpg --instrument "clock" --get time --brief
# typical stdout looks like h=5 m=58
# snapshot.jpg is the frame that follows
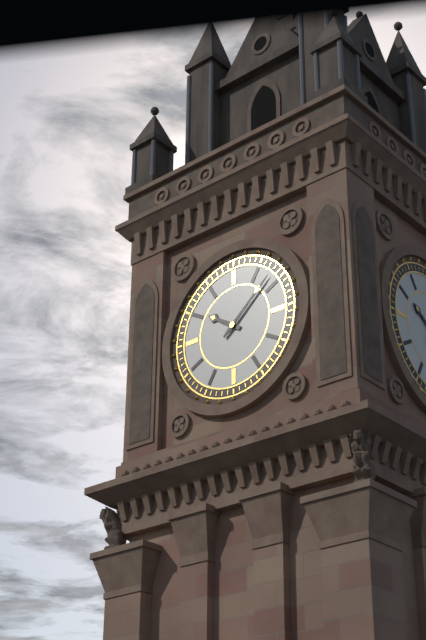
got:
h=10 m=8
